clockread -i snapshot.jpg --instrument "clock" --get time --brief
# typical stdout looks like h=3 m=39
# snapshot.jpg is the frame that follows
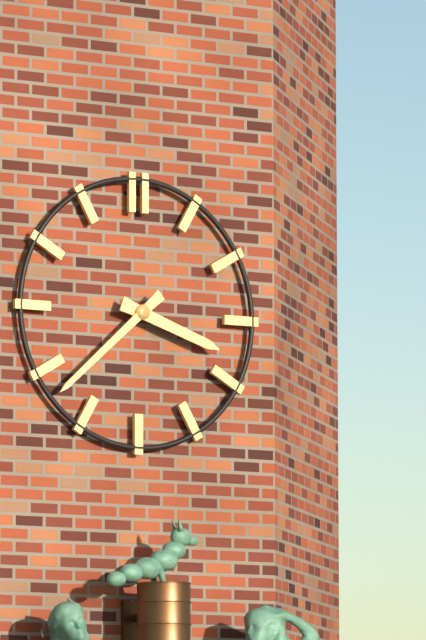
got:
h=3 m=38
